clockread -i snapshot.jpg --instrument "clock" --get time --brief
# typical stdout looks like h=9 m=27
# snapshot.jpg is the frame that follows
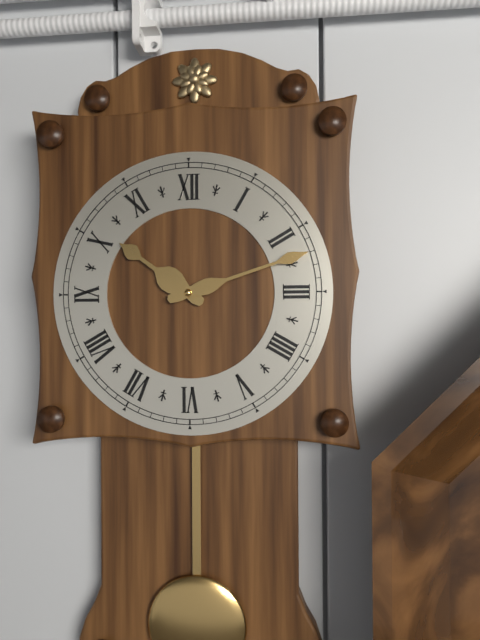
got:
h=10 m=12
